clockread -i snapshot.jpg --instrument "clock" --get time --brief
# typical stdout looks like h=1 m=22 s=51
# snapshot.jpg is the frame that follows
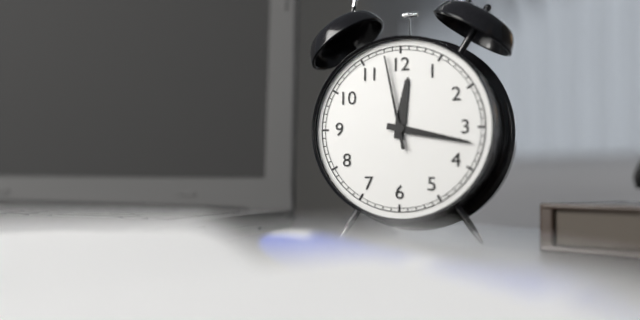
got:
h=12 m=17 s=58
